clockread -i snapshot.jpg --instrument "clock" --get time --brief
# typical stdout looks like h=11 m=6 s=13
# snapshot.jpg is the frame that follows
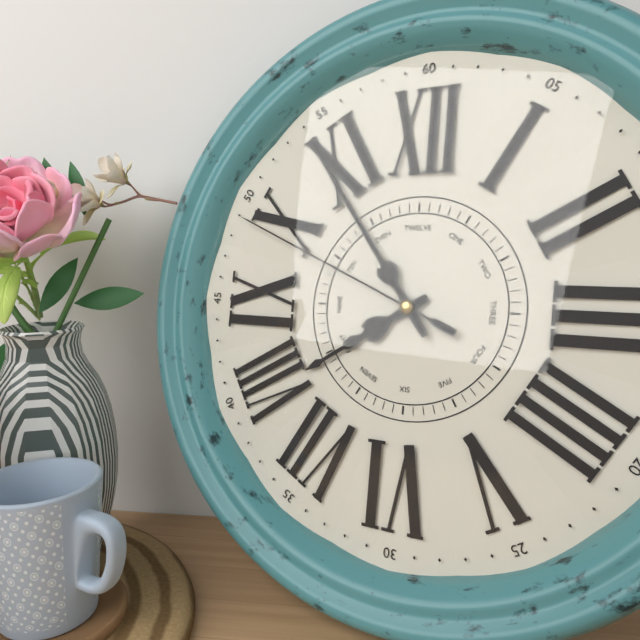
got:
h=7 m=54 s=49
